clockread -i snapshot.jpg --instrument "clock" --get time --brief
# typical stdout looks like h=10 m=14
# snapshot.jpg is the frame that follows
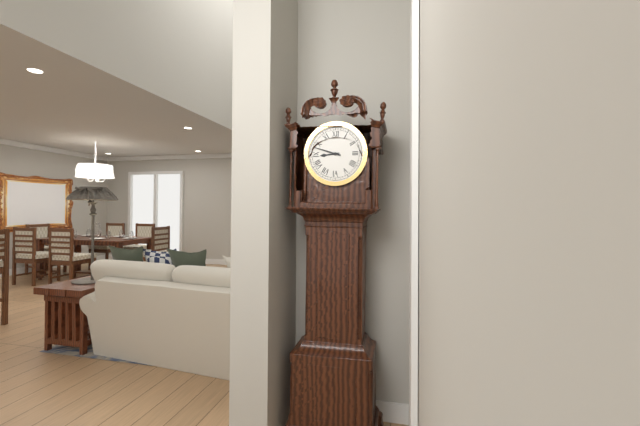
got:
h=8 m=48
